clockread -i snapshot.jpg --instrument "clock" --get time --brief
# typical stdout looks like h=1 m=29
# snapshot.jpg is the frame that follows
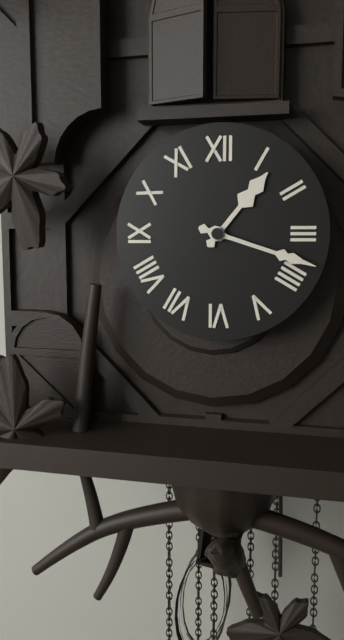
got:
h=1 m=18
